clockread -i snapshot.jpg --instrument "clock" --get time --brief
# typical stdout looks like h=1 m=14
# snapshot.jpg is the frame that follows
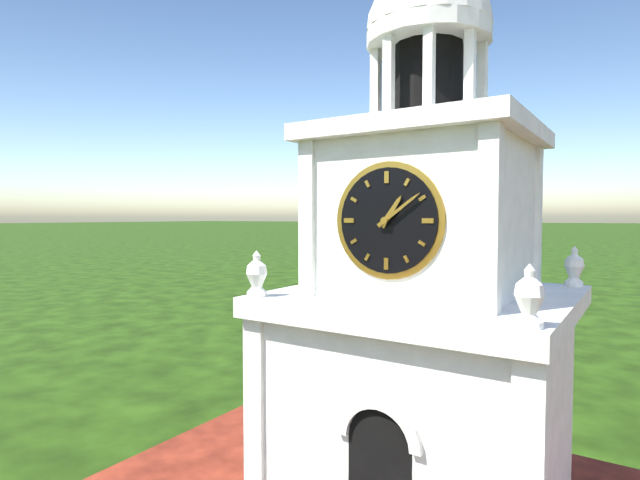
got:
h=1 m=9
